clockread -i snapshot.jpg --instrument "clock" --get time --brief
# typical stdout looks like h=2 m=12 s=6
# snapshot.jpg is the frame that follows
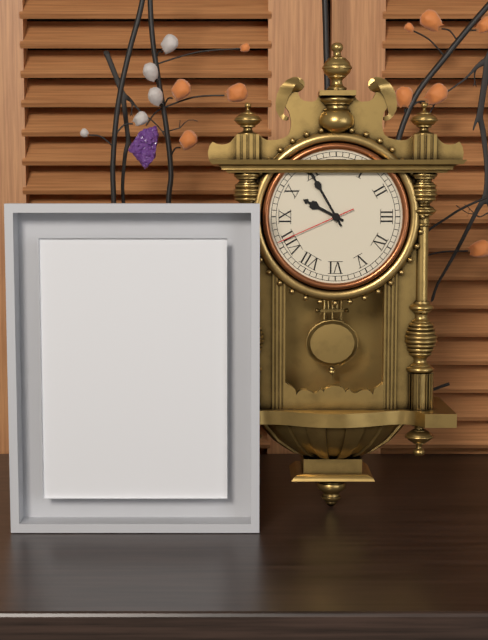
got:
h=9 m=55 s=41
